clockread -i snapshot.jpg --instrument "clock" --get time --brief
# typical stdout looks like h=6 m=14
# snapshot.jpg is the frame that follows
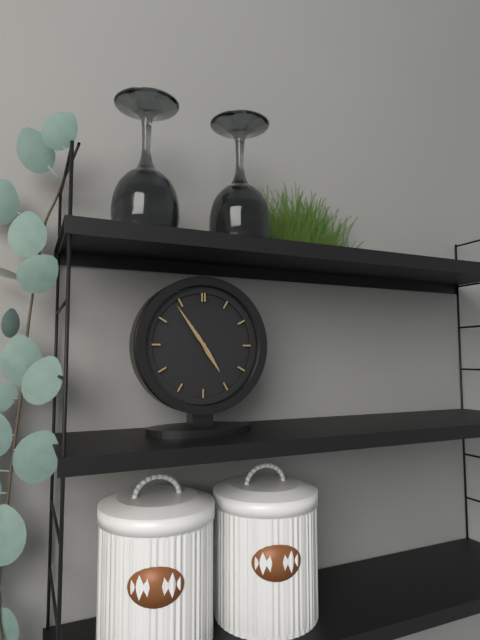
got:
h=4 m=54
